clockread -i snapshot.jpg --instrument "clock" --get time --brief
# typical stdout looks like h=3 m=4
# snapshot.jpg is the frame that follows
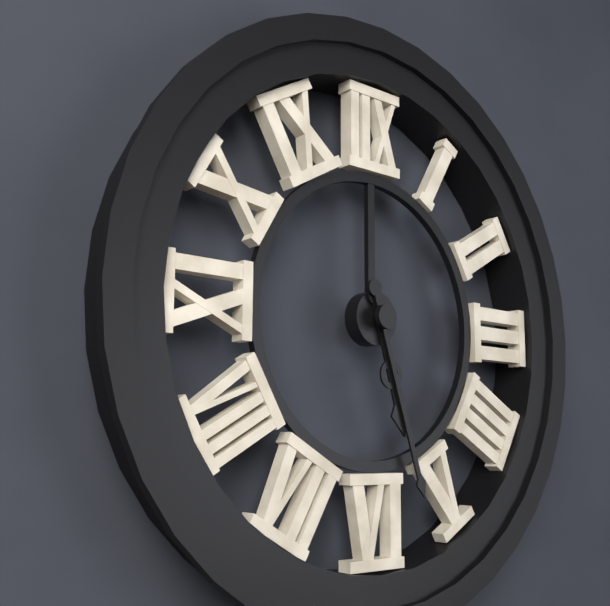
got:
h=5 m=27
